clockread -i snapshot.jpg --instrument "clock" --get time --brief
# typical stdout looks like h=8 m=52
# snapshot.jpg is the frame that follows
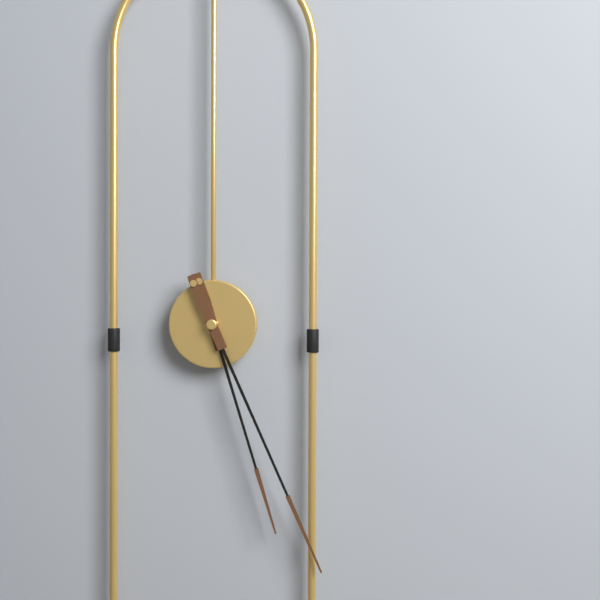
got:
h=5 m=26
